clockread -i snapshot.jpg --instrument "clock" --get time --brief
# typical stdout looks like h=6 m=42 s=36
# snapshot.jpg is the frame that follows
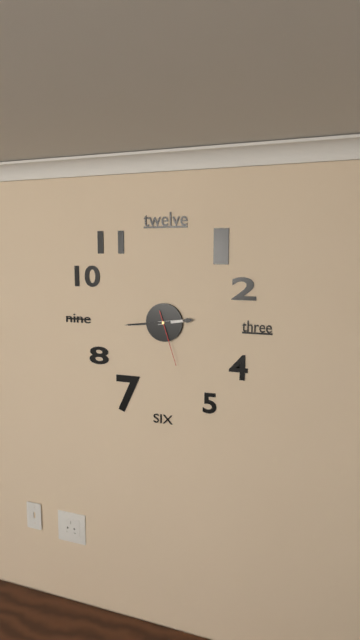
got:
h=2 m=44 s=27
